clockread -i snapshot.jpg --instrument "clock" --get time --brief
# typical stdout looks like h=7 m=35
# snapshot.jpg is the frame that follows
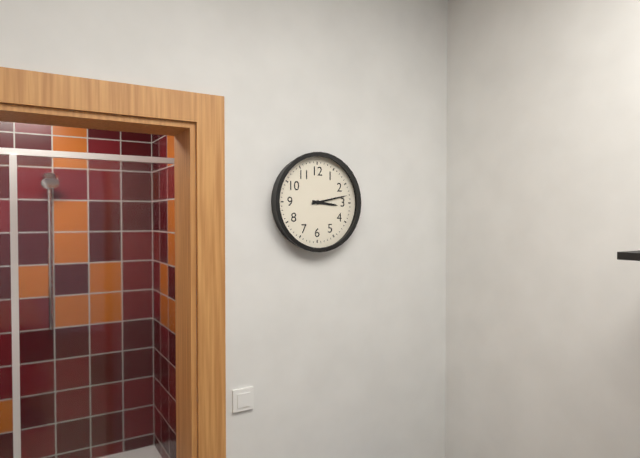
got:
h=3 m=13
